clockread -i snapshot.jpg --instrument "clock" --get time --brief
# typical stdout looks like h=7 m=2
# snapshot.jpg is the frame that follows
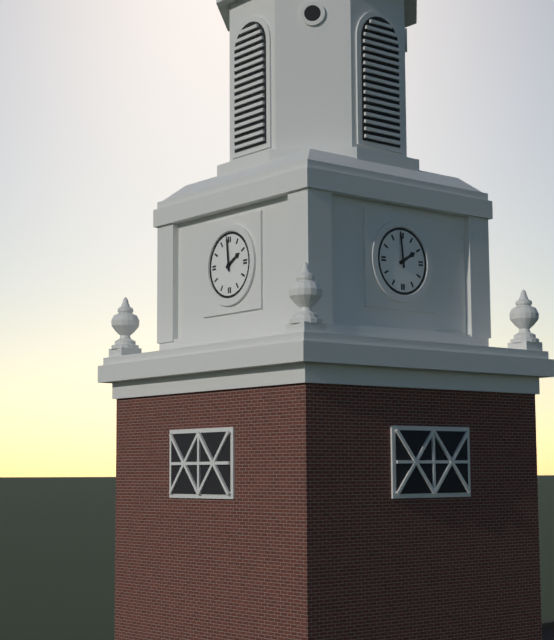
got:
h=1 m=59
